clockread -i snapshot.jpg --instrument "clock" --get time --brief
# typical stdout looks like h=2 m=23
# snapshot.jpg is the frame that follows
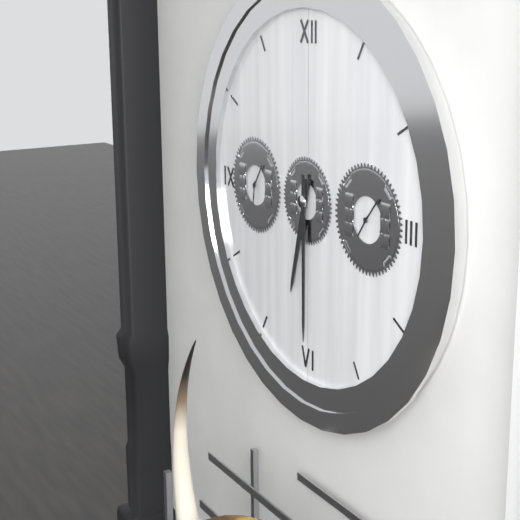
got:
h=6 m=30
